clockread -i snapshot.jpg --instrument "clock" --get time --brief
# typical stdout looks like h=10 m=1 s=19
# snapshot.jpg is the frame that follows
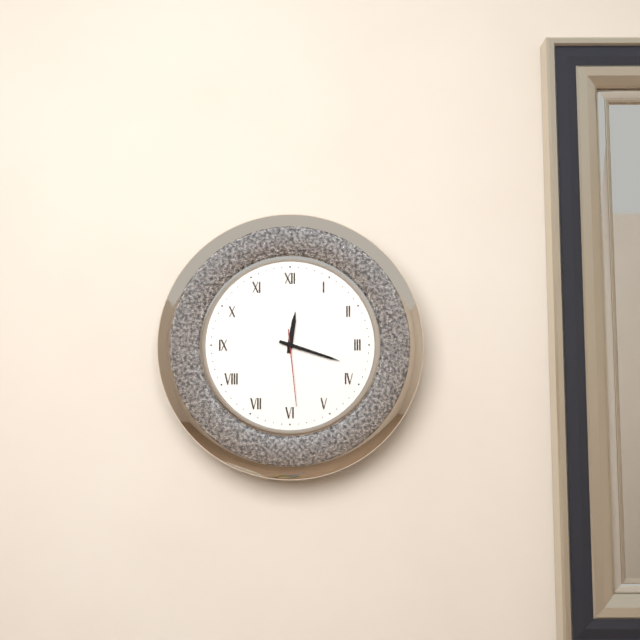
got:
h=12 m=18 s=29
